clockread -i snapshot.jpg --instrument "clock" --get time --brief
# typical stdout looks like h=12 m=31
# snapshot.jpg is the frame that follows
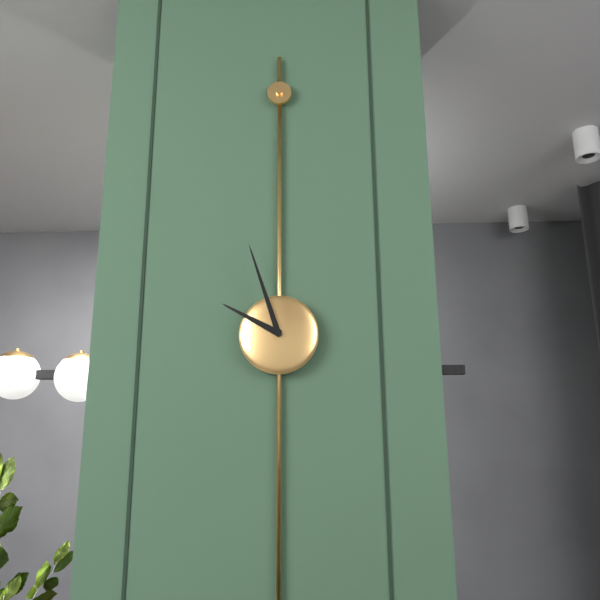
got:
h=9 m=57
